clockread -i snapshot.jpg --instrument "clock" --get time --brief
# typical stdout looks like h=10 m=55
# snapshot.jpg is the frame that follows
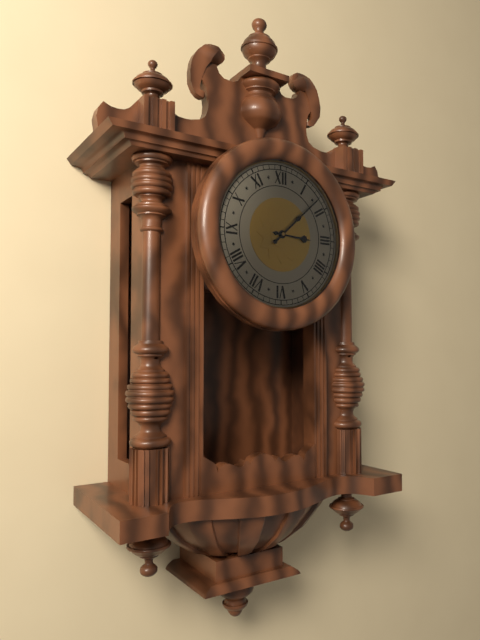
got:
h=3 m=8
